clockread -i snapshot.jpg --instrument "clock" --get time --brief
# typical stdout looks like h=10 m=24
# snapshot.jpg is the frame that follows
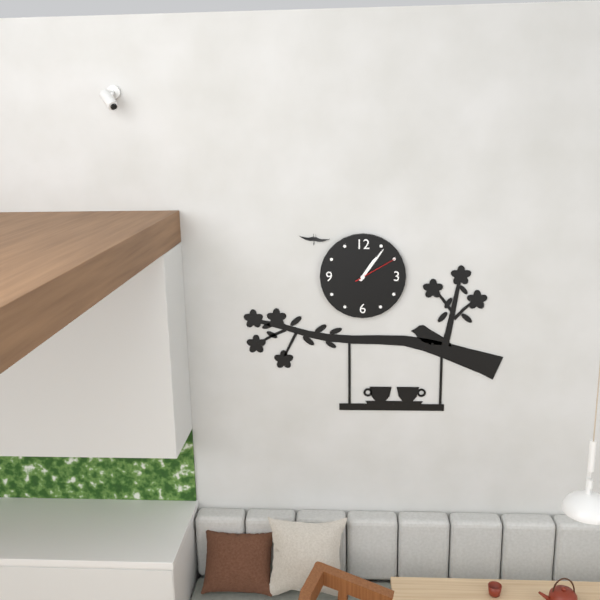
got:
h=1 m=6
